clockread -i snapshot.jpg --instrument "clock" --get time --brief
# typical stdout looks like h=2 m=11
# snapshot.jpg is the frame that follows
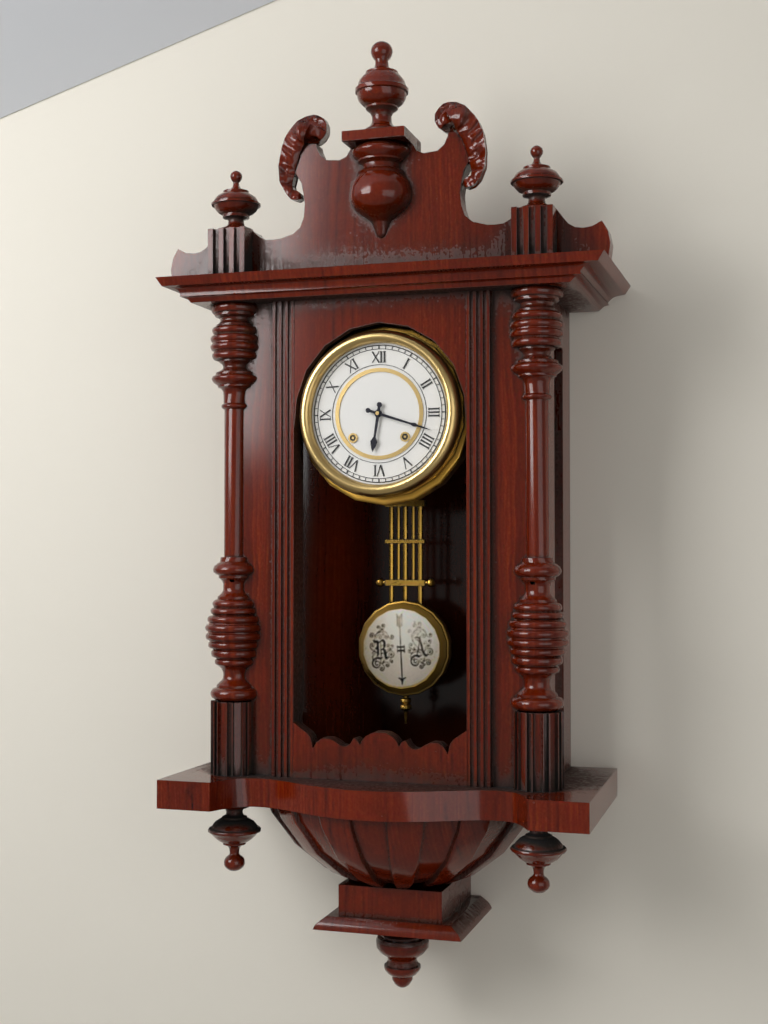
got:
h=6 m=18
